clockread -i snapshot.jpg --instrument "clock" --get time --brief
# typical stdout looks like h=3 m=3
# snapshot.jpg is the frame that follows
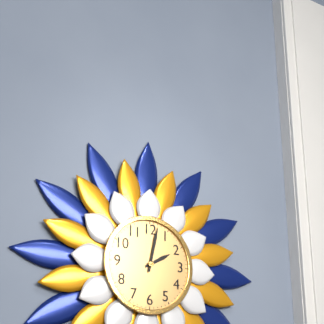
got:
h=2 m=2
